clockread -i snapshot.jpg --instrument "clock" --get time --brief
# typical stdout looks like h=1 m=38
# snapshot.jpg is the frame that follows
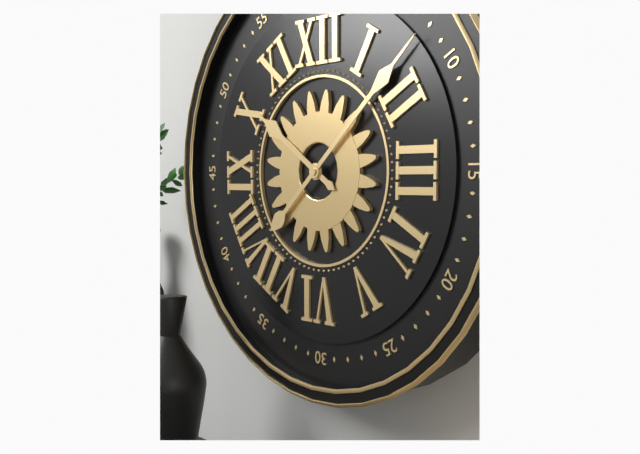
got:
h=10 m=8
